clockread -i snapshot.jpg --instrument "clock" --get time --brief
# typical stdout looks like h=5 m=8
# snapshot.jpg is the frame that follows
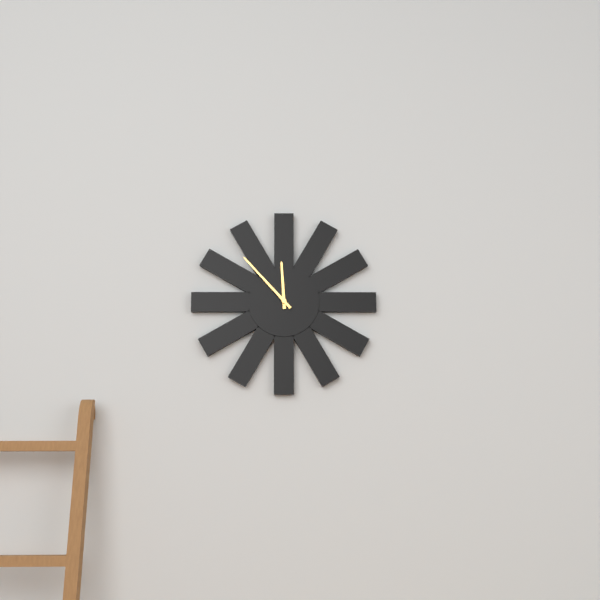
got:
h=11 m=53
